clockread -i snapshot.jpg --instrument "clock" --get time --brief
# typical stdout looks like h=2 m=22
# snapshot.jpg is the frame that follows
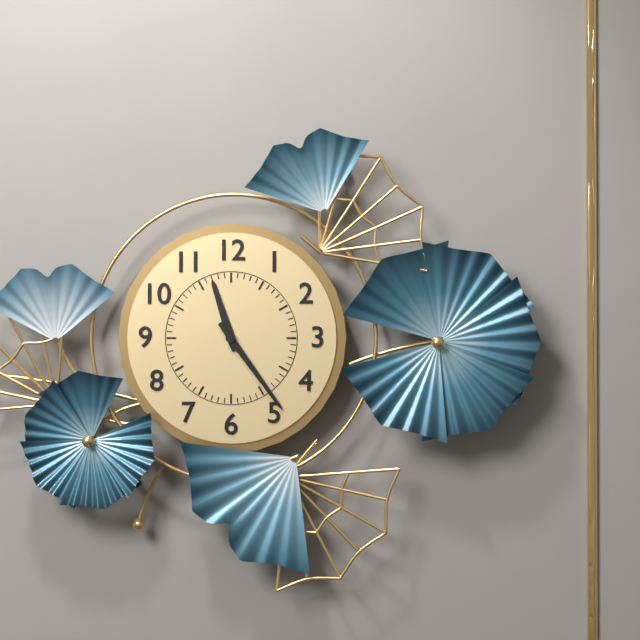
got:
h=11 m=24
